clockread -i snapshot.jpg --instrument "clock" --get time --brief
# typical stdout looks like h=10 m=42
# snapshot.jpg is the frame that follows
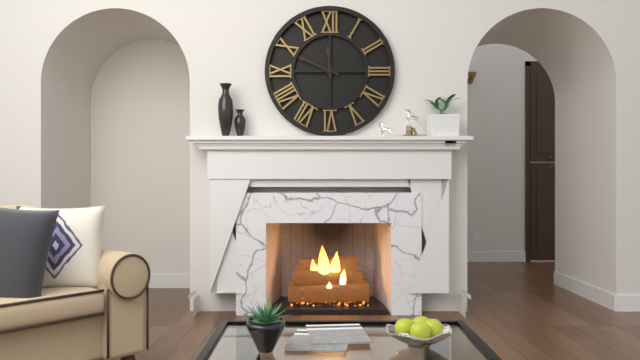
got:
h=11 m=49
